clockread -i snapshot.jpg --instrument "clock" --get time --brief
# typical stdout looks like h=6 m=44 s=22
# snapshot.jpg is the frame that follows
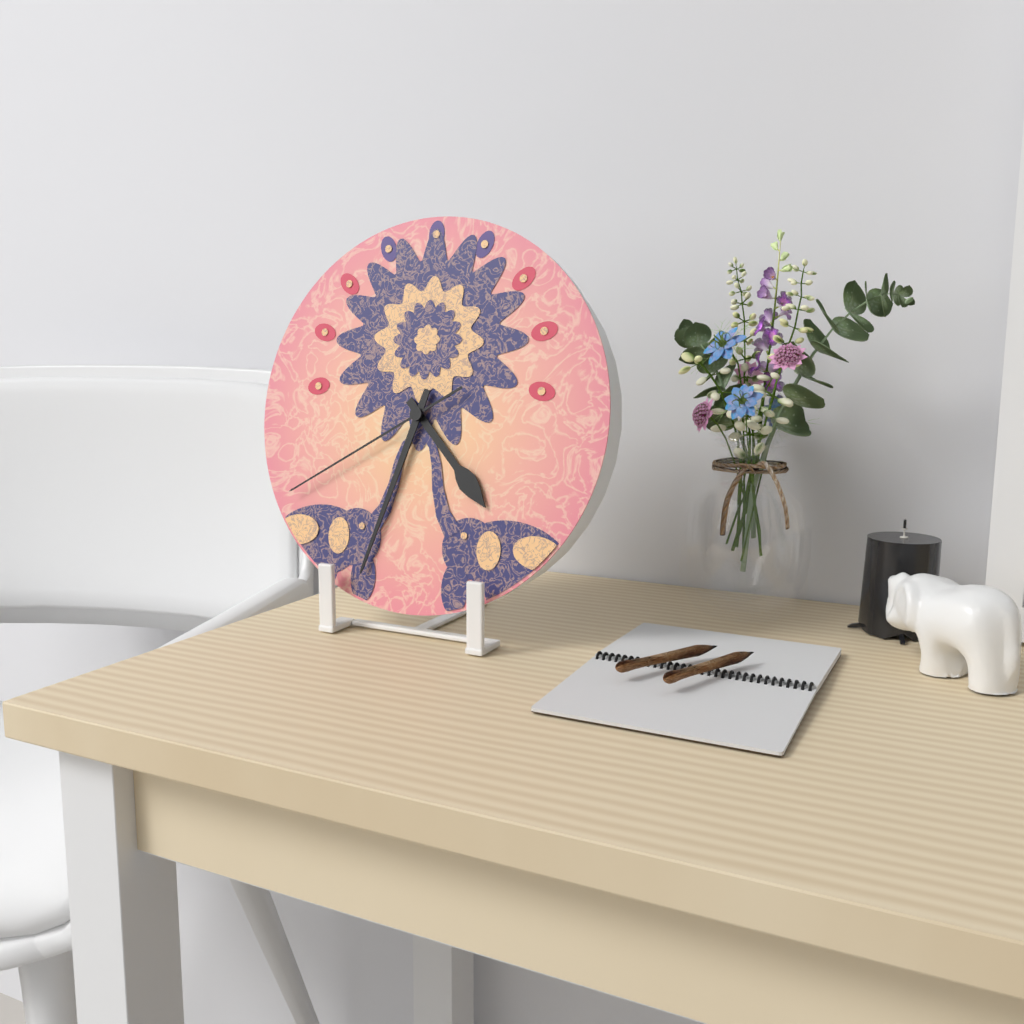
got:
h=4 m=33 s=40
